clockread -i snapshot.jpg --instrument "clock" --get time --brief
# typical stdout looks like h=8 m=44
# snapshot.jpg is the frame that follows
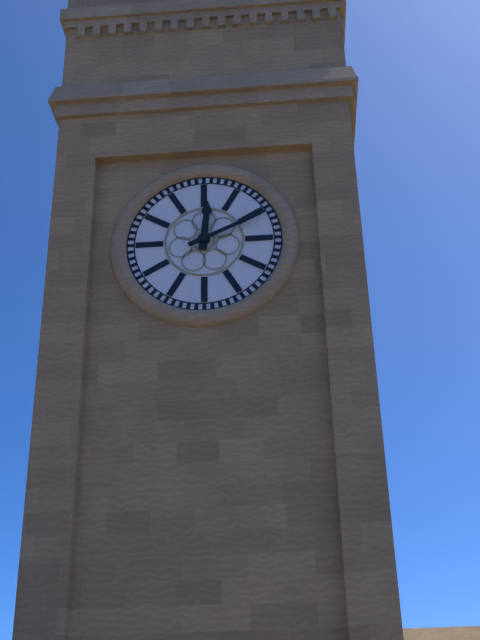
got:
h=12 m=11
